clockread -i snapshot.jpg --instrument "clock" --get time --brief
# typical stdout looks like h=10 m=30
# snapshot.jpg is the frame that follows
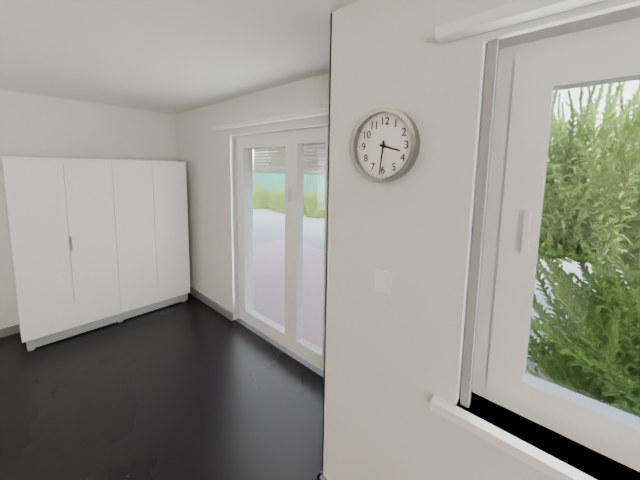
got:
h=3 m=31
